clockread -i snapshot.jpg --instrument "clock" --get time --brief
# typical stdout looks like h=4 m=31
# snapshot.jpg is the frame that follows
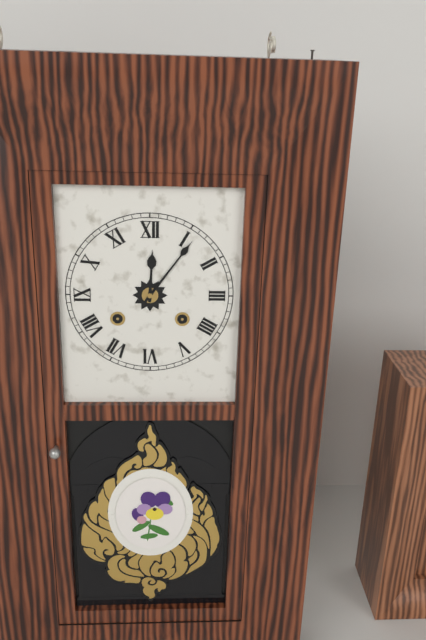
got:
h=12 m=6
